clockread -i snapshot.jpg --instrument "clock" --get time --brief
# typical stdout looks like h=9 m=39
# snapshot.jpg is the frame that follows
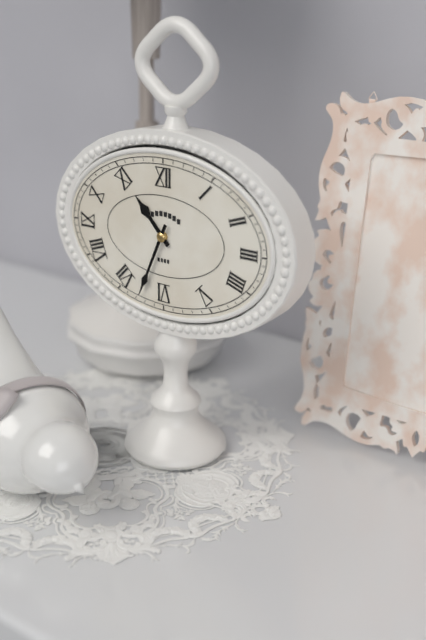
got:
h=10 m=34
